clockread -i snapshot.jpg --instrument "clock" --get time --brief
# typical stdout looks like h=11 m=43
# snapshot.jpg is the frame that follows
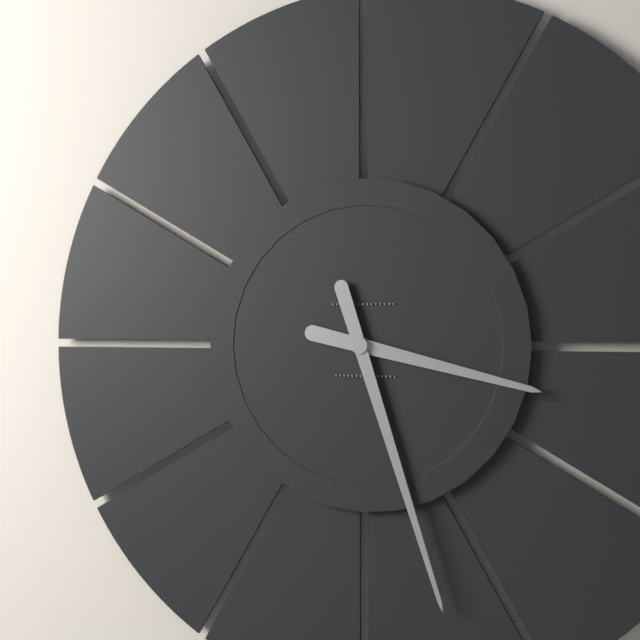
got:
h=3 m=27
